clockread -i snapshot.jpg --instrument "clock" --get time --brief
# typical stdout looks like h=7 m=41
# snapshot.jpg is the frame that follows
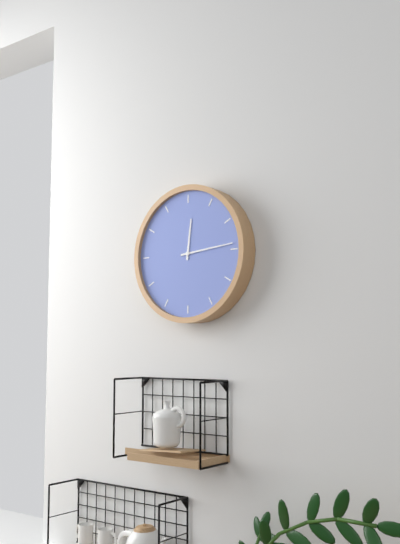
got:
h=12 m=14
